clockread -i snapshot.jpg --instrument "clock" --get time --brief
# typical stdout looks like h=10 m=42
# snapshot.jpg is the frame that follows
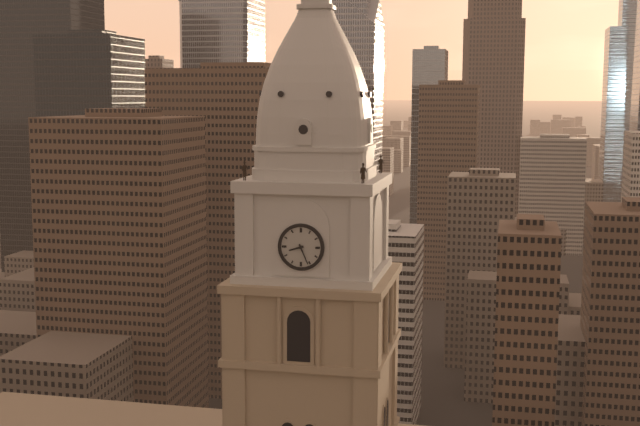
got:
h=8 m=26
